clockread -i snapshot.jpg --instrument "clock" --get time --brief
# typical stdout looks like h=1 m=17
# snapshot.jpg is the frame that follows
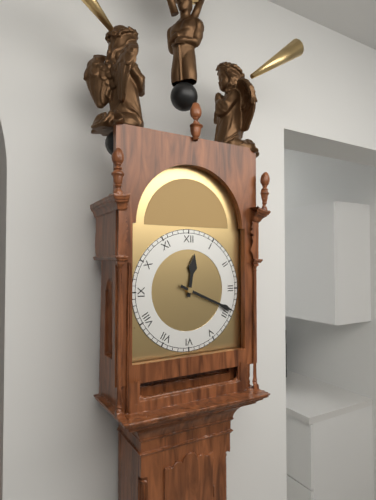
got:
h=12 m=19
